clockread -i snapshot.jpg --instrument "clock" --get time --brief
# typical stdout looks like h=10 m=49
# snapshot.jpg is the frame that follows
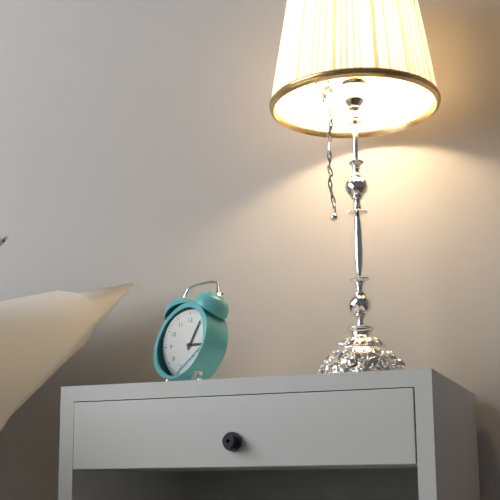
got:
h=3 m=5
